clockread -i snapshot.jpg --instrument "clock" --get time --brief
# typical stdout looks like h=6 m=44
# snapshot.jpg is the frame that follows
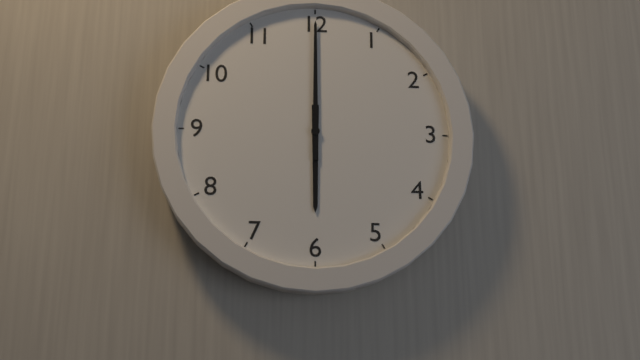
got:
h=6 m=0
